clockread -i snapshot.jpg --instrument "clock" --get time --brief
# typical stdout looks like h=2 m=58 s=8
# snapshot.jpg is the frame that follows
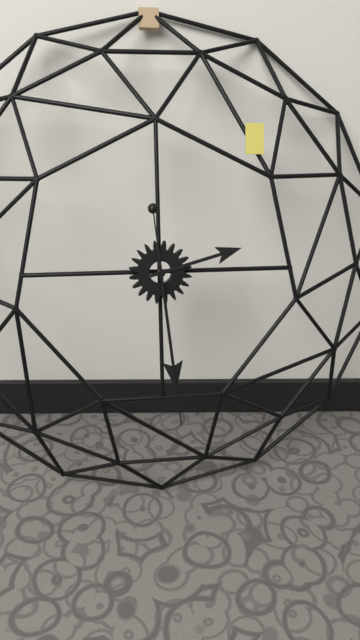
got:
h=2 m=29 s=29
